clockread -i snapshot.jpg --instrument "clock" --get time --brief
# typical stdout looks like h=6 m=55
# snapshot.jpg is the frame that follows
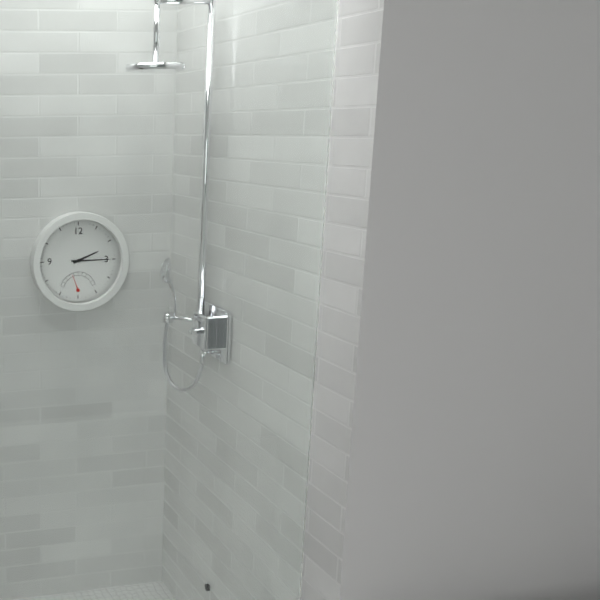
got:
h=2 m=15
